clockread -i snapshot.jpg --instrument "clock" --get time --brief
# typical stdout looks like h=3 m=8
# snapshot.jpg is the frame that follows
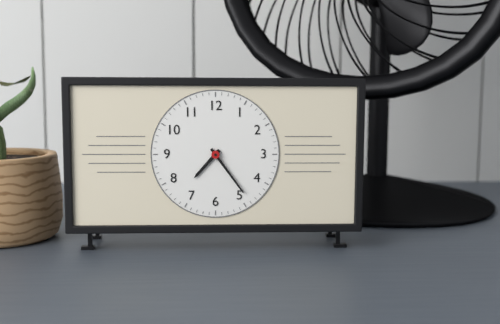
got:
h=7 m=24
